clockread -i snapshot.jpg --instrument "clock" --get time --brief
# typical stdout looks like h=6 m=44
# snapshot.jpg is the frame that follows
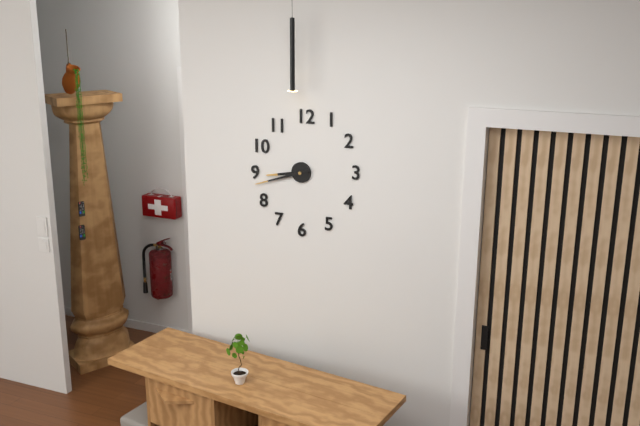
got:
h=8 m=42
